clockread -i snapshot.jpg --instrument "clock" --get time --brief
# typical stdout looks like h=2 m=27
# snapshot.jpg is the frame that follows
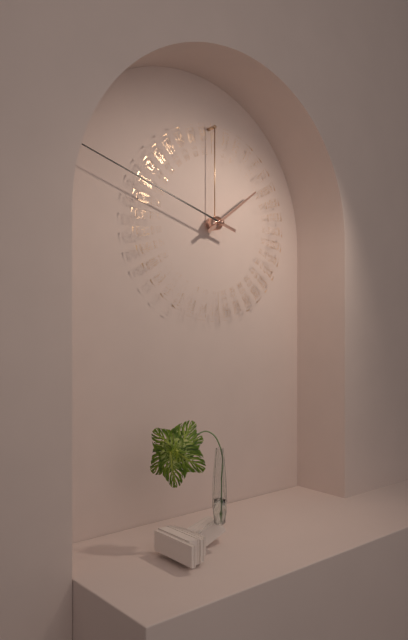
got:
h=1 m=48
